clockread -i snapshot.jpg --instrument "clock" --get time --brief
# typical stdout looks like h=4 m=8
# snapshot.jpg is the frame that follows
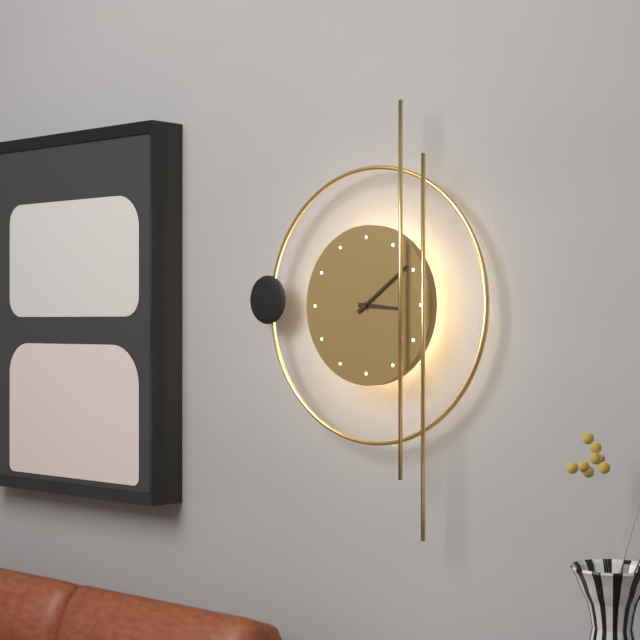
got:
h=3 m=9
